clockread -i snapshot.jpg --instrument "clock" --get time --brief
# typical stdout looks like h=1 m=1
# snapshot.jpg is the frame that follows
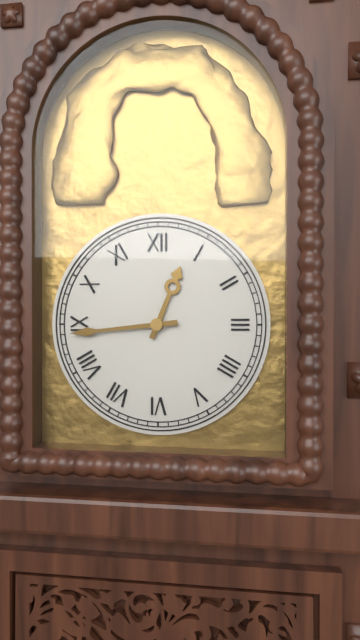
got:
h=12 m=44
